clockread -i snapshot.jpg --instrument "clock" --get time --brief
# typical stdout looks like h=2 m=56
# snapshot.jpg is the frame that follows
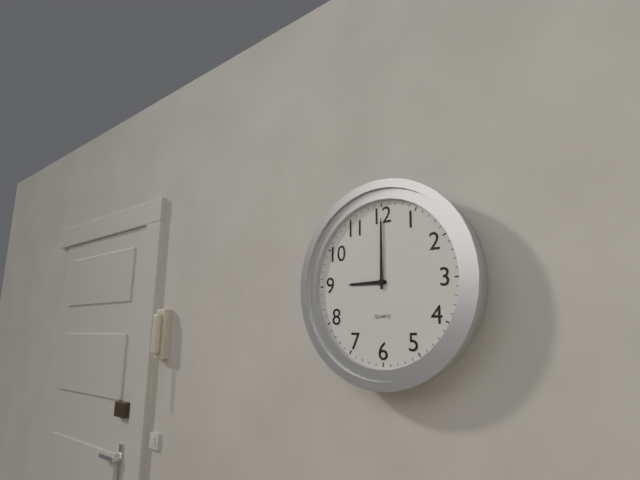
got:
h=9 m=0
